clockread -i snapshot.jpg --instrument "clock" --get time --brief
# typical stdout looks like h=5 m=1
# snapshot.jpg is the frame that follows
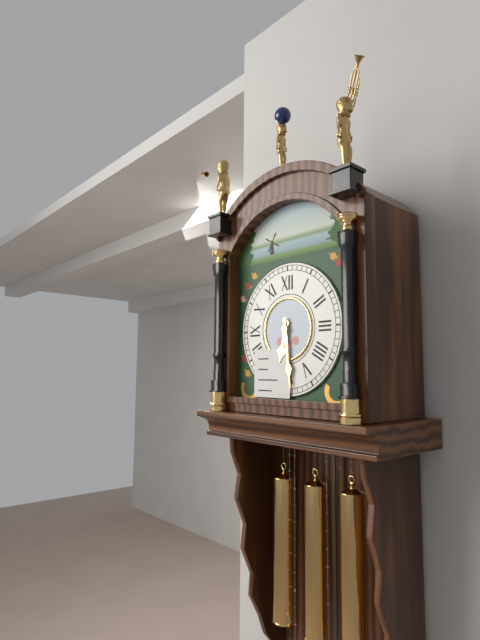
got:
h=6 m=29
